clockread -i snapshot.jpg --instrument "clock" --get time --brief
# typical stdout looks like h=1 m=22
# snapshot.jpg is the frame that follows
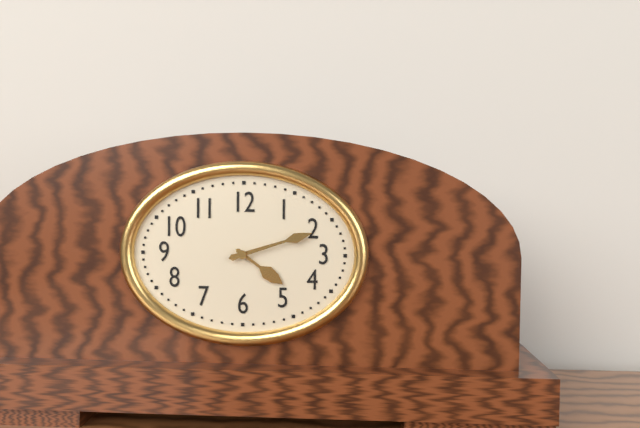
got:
h=4 m=12
